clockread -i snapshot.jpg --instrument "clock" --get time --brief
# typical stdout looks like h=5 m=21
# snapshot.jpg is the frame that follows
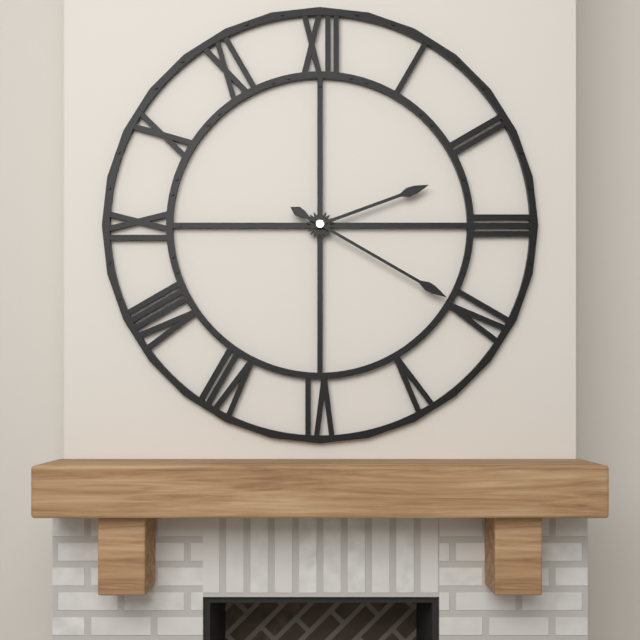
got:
h=2 m=20
